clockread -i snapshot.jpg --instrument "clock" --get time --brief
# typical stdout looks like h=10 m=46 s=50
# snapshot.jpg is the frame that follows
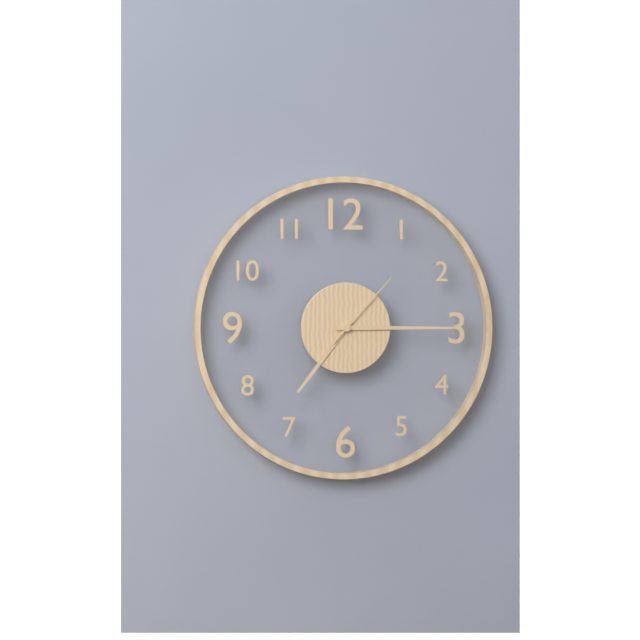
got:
h=7 m=15 s=7
